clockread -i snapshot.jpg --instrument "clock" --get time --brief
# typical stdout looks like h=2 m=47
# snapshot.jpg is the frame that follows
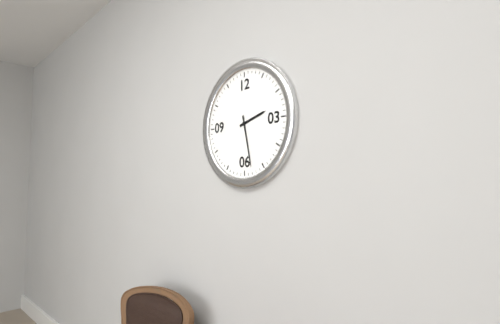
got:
h=2 m=28
